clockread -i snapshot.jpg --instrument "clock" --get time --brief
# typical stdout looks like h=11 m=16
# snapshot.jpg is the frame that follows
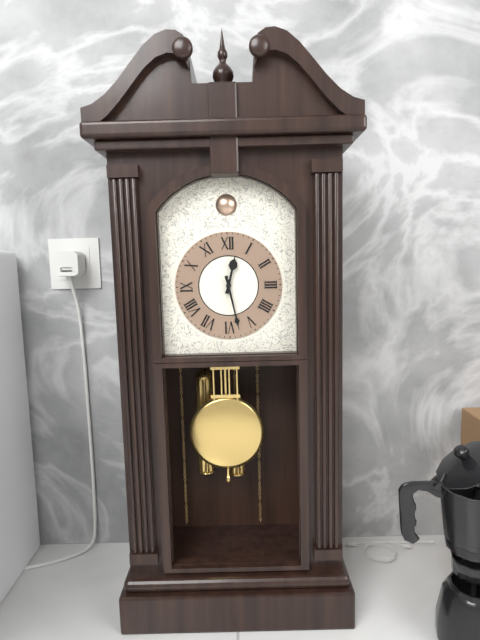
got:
h=12 m=28
